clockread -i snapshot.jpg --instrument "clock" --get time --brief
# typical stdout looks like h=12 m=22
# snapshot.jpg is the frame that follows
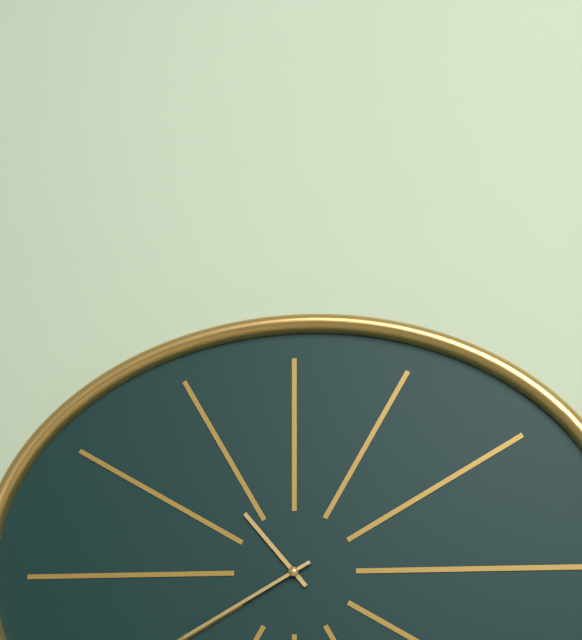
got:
h=10 m=40
